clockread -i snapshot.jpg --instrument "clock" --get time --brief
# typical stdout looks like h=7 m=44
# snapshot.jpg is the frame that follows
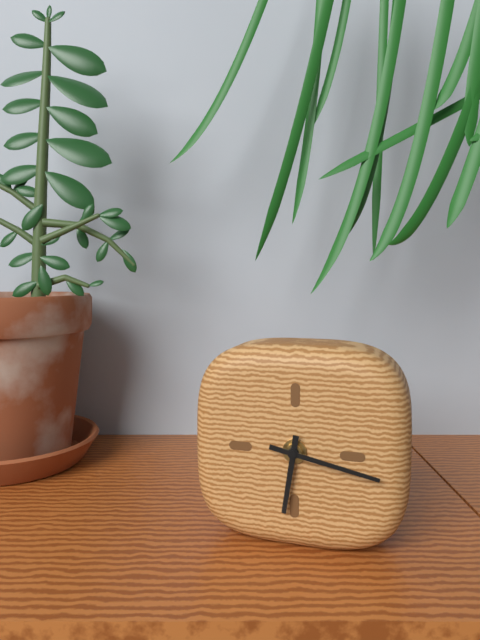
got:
h=6 m=17
